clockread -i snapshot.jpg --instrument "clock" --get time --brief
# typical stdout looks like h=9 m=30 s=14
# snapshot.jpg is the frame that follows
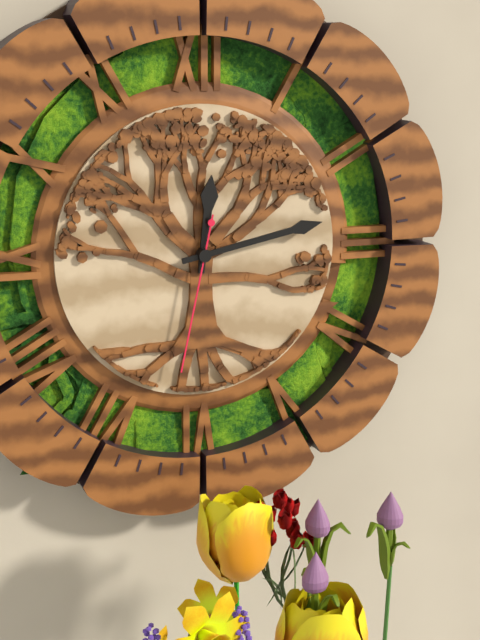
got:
h=12 m=13 s=32
